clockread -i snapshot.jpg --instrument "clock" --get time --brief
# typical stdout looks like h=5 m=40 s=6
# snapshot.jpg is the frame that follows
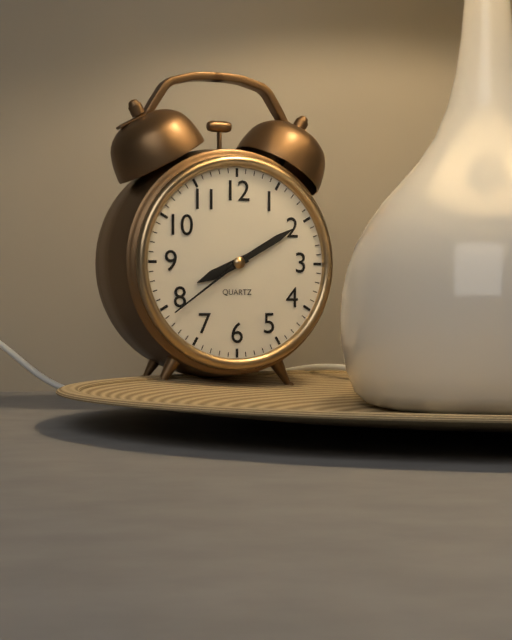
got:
h=8 m=10 s=39
